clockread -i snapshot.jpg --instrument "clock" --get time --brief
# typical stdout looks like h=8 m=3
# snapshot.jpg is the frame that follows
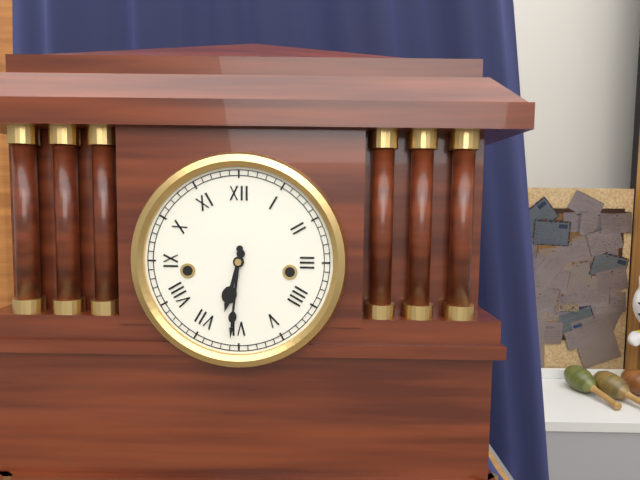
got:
h=6 m=31
